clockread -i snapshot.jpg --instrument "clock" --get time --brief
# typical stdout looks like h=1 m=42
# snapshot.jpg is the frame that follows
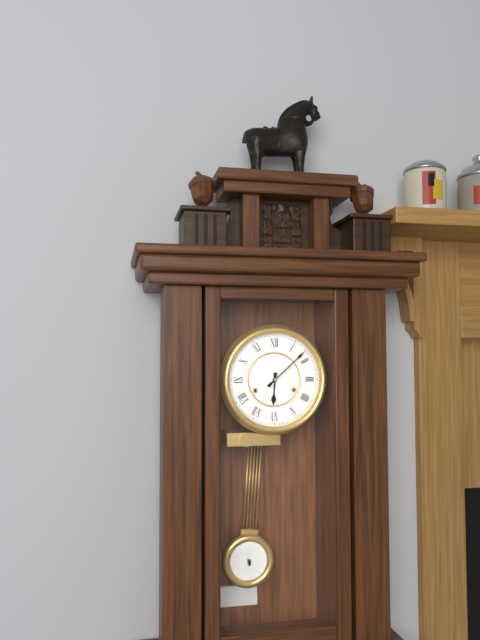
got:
h=6 m=8
